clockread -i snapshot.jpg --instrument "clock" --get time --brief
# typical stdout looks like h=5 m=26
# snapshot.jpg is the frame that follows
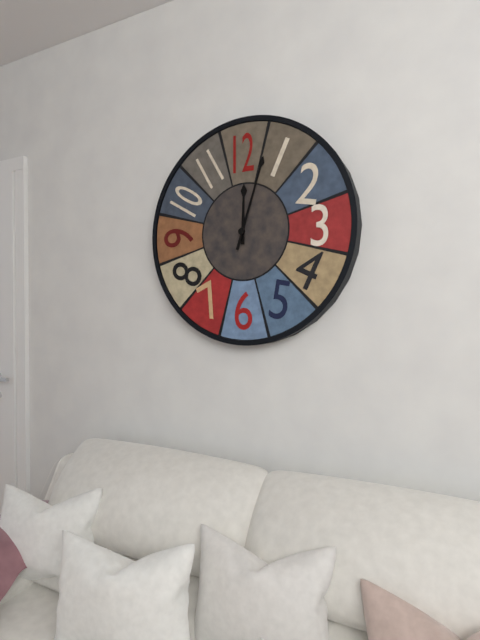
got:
h=12 m=3
